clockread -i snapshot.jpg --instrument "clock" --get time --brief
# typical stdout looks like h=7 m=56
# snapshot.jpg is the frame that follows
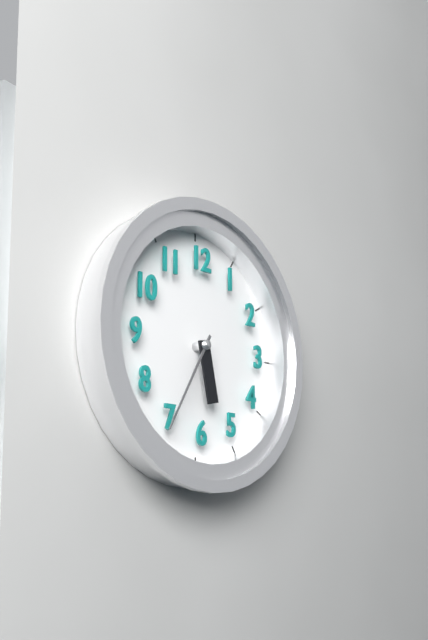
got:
h=5 m=35
